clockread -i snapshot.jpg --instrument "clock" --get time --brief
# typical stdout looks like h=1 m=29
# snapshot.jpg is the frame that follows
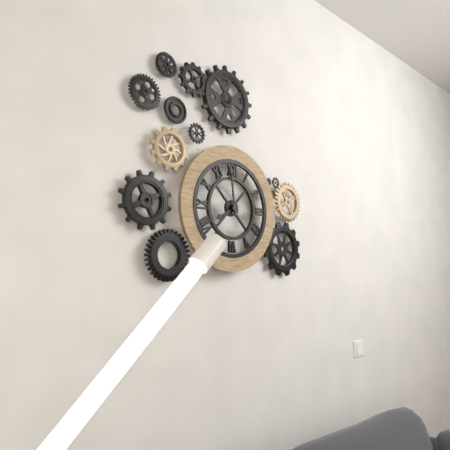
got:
h=7 m=59
